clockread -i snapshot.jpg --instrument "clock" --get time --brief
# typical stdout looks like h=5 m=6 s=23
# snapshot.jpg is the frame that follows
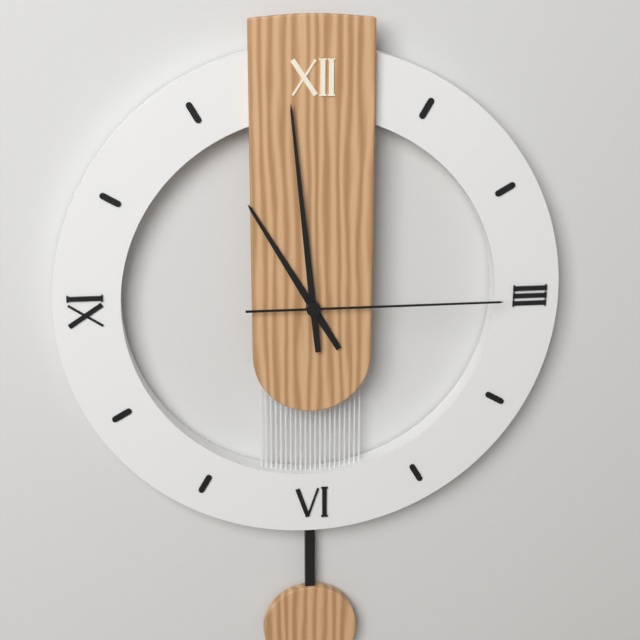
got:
h=10 m=59 s=15
